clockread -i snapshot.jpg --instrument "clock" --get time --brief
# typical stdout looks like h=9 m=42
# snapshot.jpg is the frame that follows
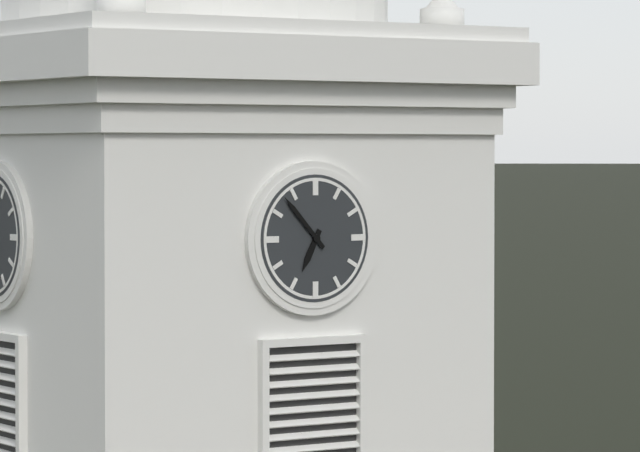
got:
h=6 m=53
